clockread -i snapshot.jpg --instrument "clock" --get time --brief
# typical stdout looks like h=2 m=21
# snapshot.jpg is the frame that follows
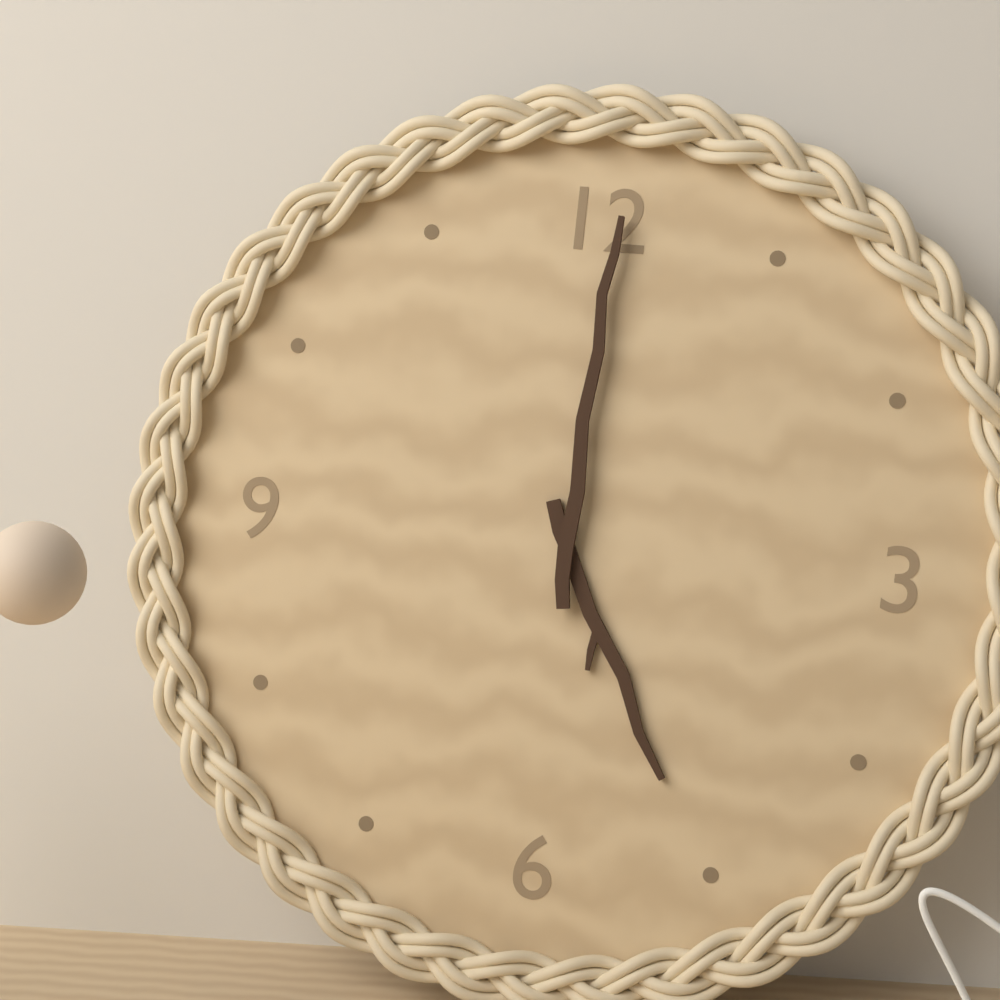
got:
h=5 m=0
